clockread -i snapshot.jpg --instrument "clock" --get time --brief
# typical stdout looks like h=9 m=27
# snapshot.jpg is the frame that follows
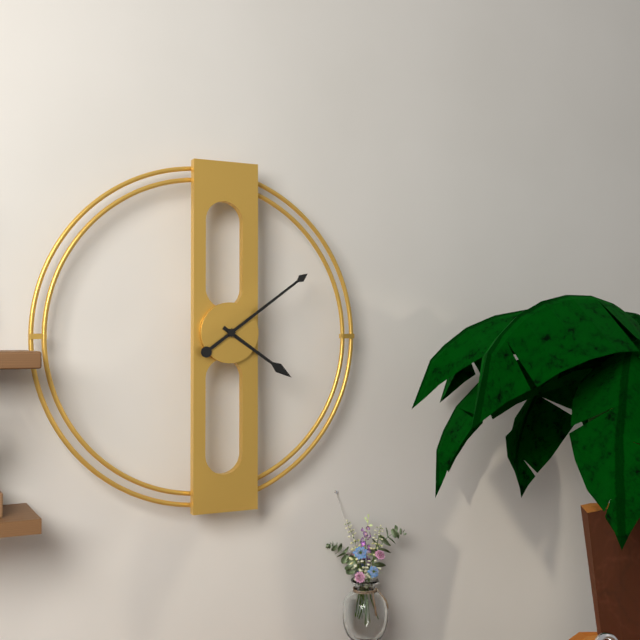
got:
h=4 m=9
